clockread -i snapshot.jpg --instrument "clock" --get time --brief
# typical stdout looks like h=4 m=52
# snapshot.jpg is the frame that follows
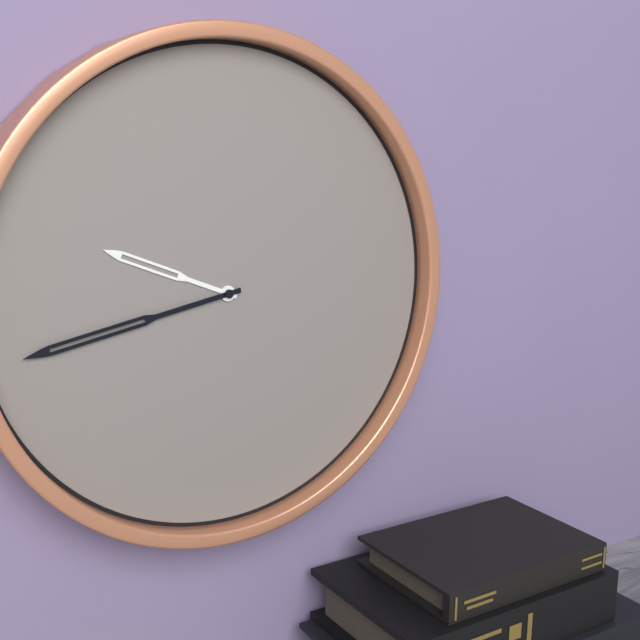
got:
h=9 m=43
